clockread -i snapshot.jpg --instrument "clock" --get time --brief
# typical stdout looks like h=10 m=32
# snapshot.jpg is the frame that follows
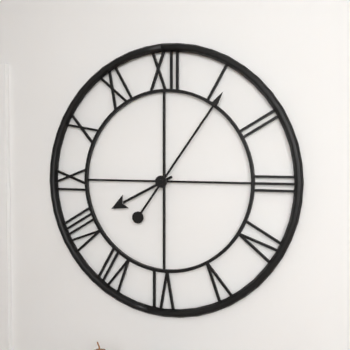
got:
h=8 m=6
